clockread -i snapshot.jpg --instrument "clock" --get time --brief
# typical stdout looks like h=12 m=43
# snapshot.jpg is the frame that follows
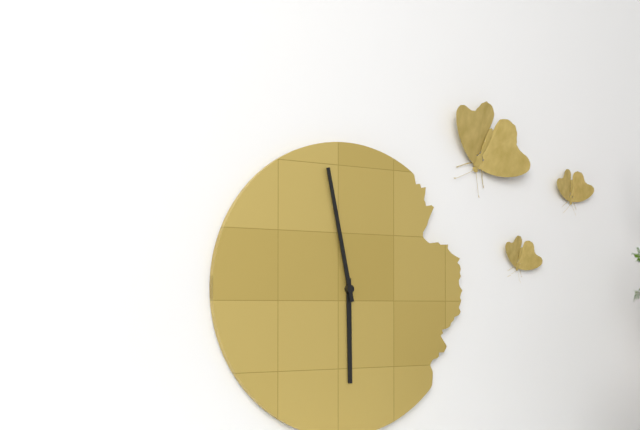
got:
h=5 m=58
